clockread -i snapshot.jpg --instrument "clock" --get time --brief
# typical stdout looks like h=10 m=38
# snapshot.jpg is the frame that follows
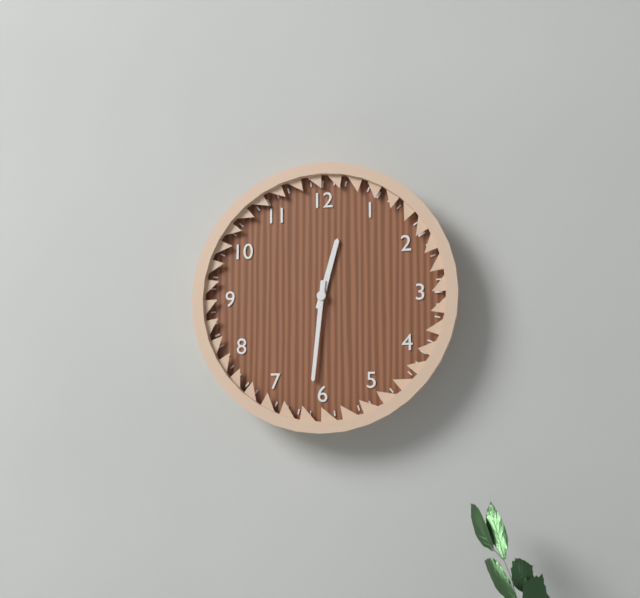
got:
h=12 m=31
